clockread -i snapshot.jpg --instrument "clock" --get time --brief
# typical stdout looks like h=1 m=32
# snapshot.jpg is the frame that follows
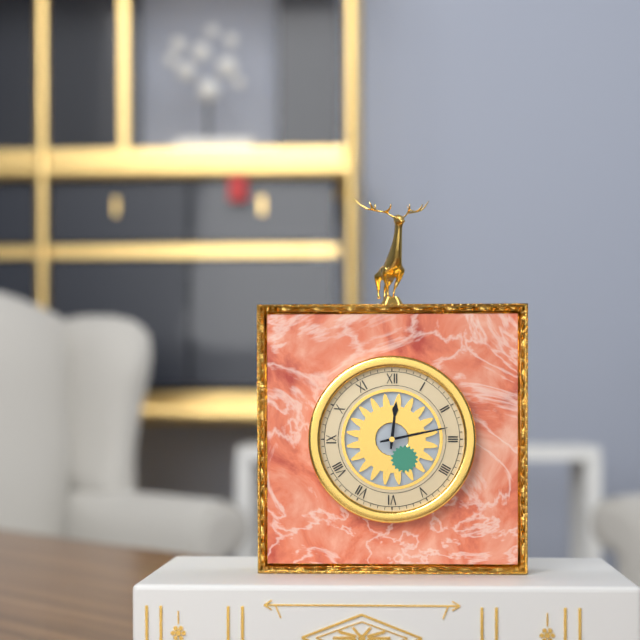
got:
h=12 m=13
